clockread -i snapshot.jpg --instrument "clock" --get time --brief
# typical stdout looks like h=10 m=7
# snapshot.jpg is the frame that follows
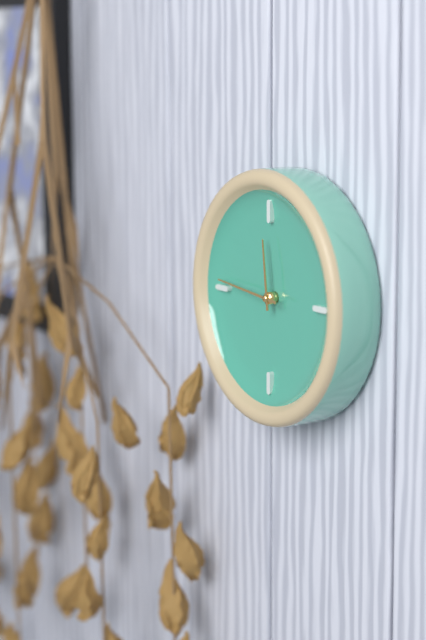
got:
h=11 m=46
